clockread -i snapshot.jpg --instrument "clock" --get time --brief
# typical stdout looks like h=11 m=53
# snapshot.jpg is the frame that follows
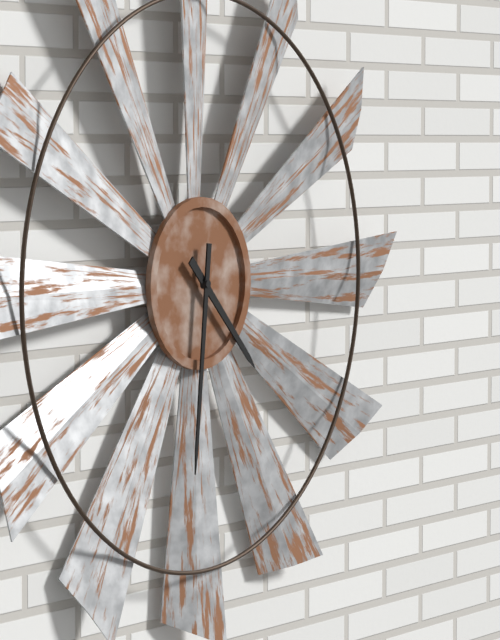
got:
h=4 m=31
